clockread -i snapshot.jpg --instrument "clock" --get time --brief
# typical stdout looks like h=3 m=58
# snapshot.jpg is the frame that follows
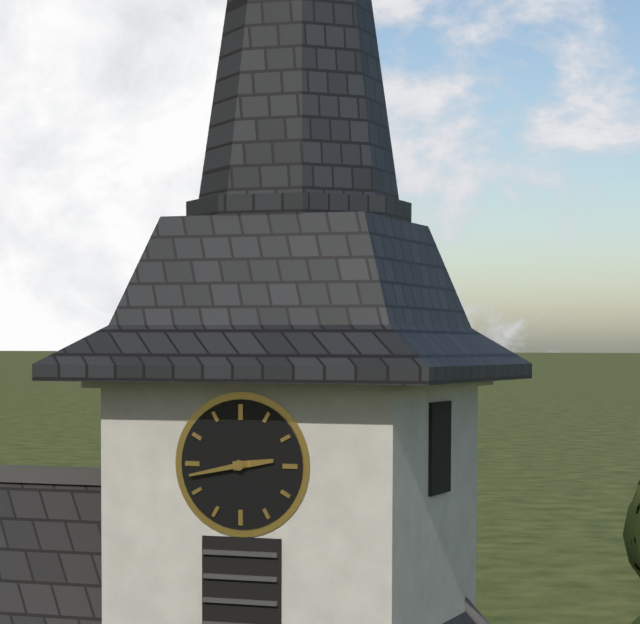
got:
h=2 m=43
